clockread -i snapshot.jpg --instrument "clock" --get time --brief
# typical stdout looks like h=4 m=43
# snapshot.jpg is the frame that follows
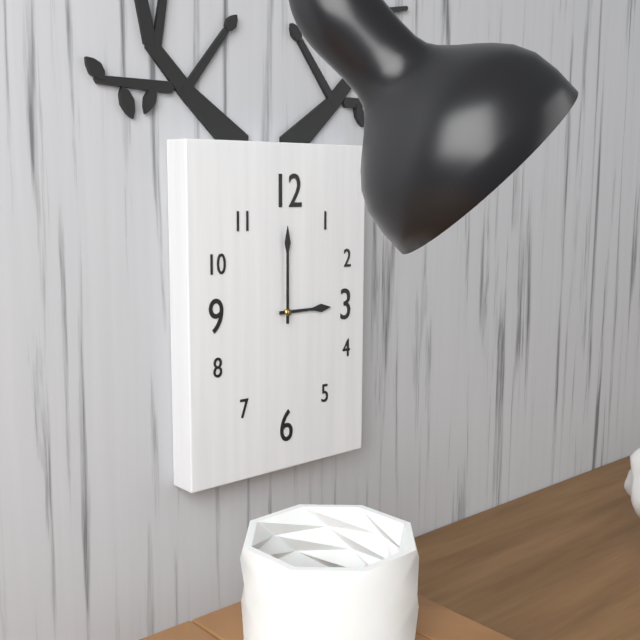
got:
h=3 m=0
